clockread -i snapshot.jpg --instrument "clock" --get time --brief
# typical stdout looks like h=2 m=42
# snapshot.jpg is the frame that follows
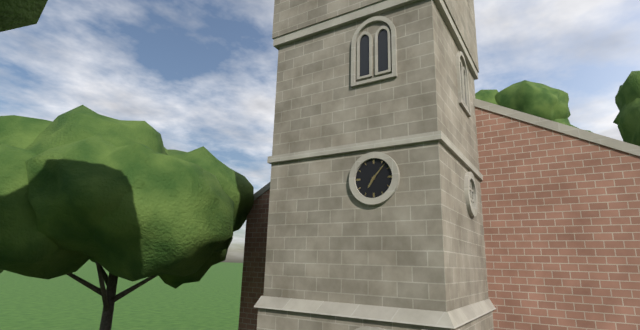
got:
h=7 m=7
